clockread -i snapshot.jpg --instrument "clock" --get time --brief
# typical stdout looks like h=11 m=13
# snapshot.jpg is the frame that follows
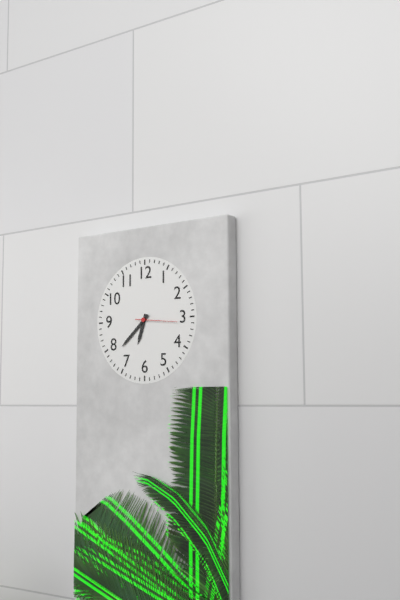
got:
h=6 m=38
